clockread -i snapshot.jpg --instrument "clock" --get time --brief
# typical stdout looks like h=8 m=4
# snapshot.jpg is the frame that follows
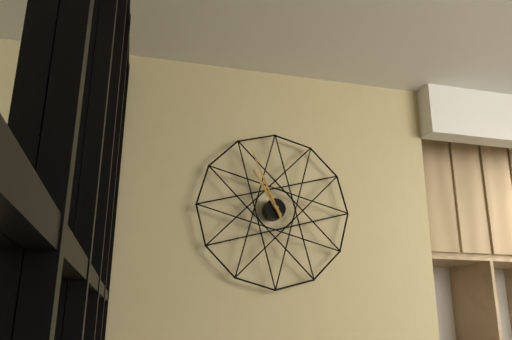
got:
h=10 m=56
